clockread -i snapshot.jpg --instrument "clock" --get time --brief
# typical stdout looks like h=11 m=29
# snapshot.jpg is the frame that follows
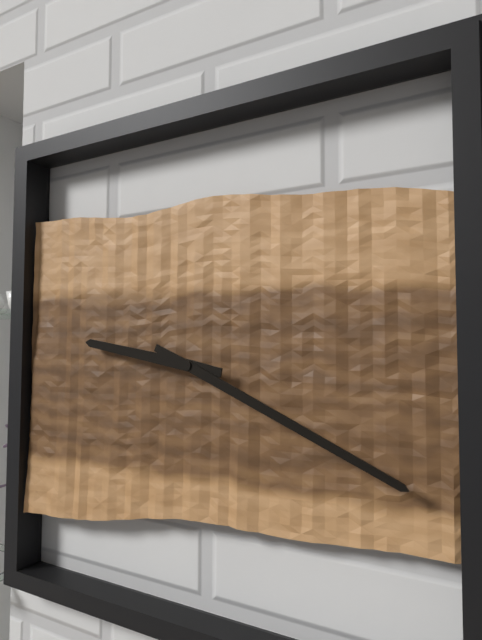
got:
h=9 m=19
